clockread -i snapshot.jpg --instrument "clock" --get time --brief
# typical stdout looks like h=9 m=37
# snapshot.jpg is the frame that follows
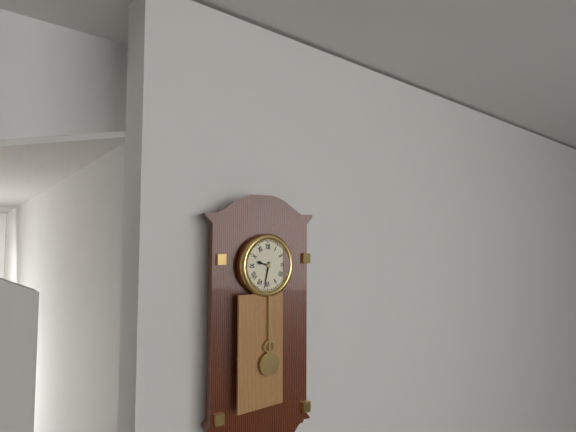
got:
h=9 m=32
